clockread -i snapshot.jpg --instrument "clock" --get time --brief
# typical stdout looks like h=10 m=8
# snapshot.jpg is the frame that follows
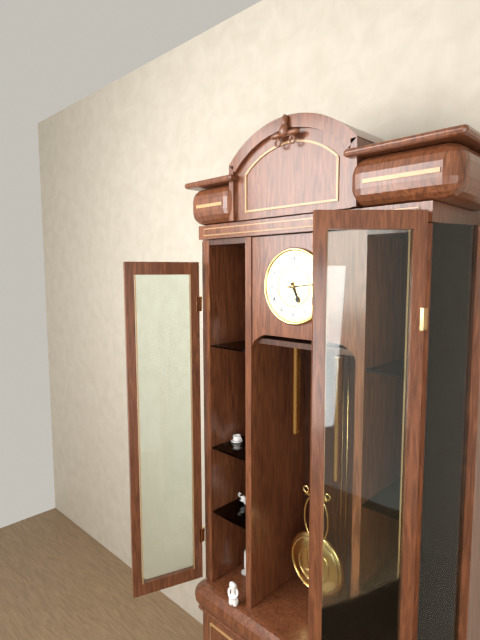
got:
h=5 m=14
